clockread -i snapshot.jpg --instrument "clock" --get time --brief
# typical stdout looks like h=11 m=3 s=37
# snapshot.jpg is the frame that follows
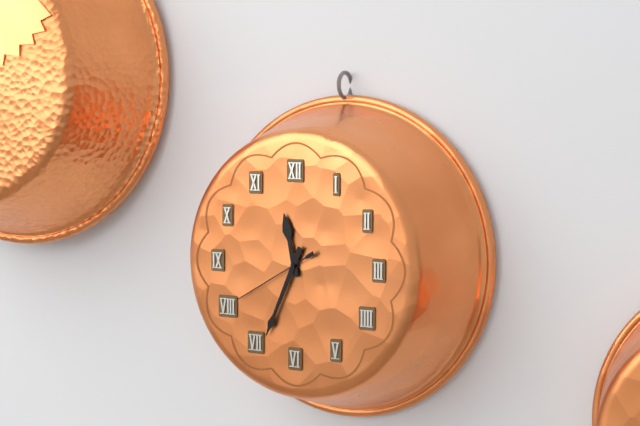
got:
h=11 m=34 s=40
